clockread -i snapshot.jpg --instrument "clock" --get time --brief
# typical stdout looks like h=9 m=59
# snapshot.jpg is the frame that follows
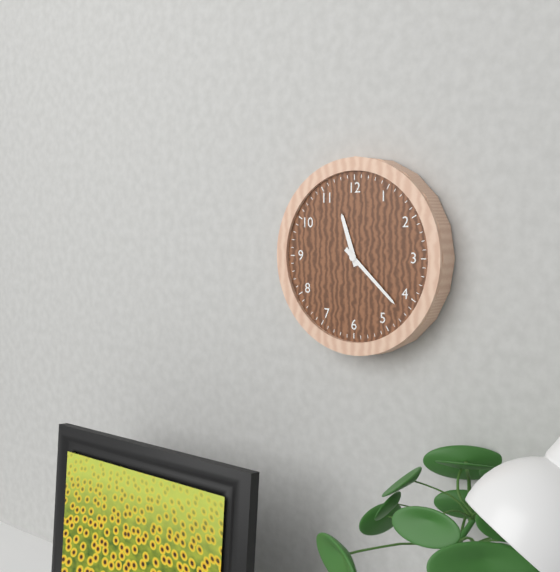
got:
h=11 m=22
